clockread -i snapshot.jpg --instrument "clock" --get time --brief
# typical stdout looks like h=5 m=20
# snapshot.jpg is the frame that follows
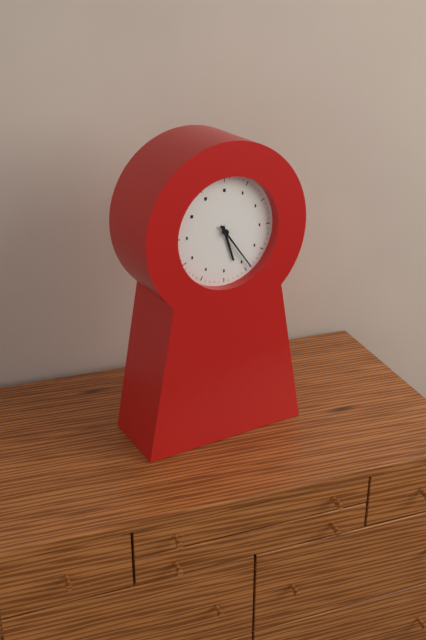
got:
h=5 m=24
